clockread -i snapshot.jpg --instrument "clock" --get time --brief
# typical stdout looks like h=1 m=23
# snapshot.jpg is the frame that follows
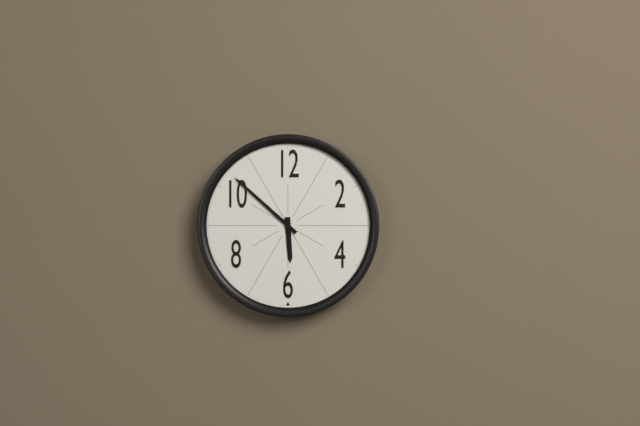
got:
h=5 m=52
